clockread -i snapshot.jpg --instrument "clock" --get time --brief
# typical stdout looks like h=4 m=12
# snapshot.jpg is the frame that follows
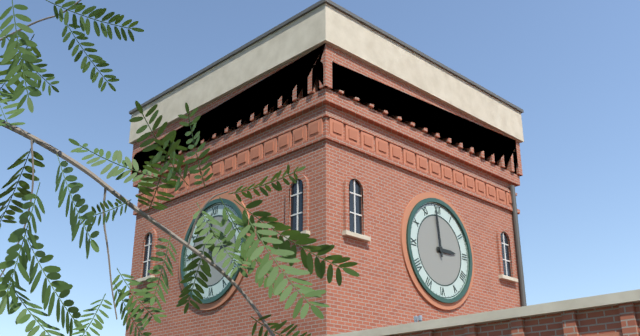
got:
h=2 m=59
